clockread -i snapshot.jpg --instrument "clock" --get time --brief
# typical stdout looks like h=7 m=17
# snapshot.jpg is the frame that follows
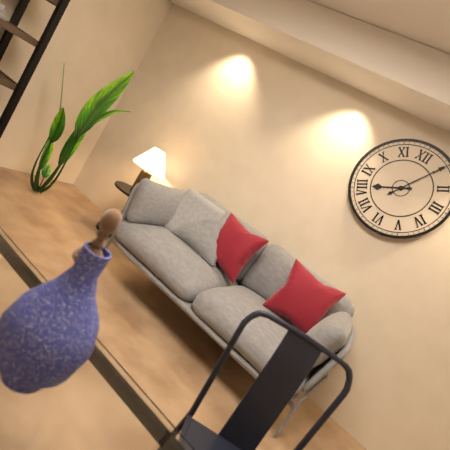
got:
h=8 m=5
